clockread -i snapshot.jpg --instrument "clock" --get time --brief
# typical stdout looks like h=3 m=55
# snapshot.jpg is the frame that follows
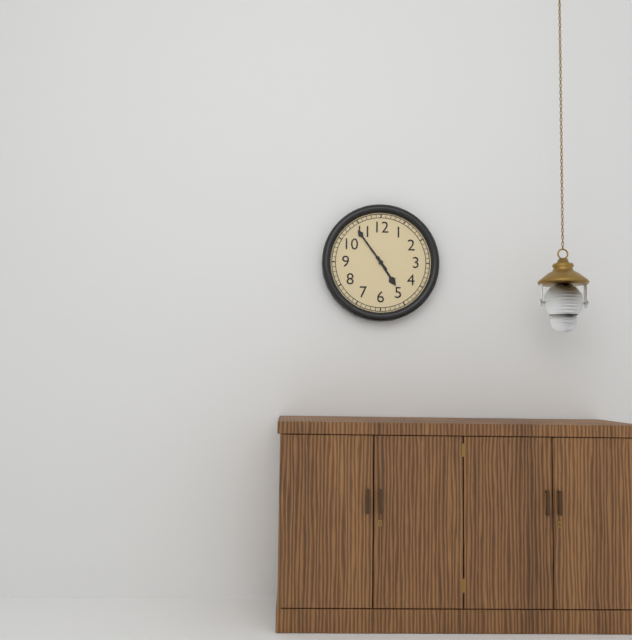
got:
h=4 m=54
